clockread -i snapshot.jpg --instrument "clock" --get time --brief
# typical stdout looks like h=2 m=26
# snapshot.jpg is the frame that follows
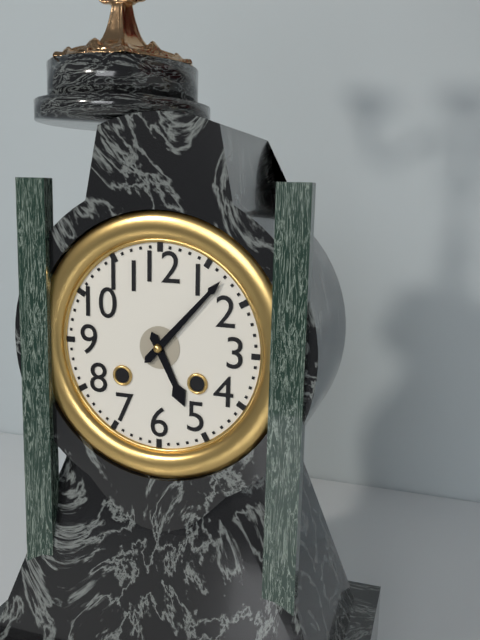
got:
h=5 m=7
